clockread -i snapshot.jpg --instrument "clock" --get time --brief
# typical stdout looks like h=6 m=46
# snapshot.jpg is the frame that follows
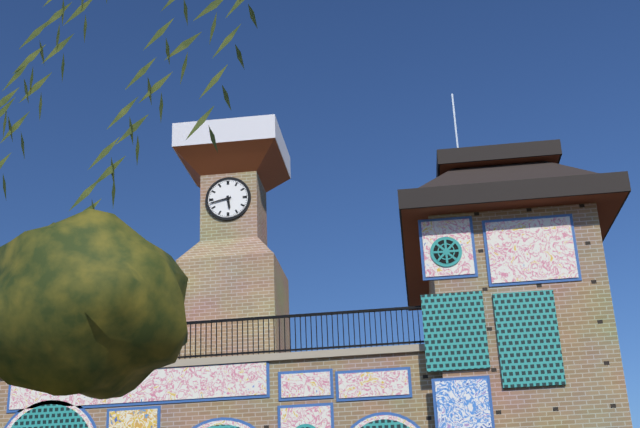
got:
h=5 m=43
